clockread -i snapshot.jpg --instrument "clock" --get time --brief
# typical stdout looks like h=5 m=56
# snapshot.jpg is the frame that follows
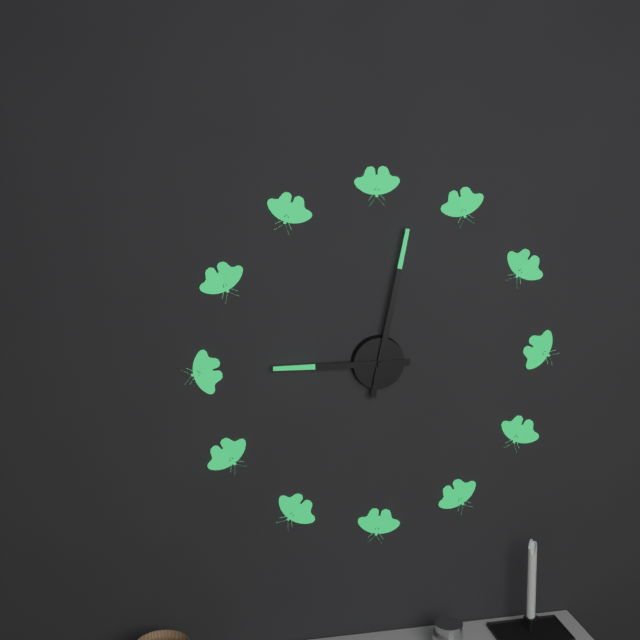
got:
h=9 m=2
